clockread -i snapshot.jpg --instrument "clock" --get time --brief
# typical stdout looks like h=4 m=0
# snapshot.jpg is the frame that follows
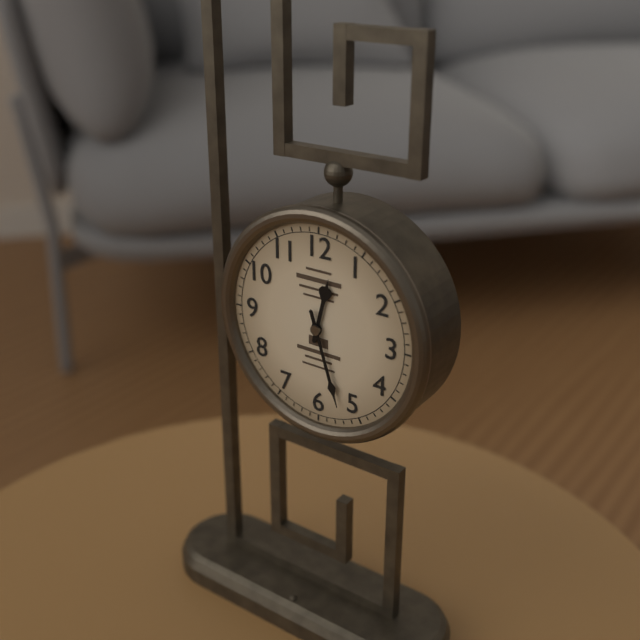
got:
h=12 m=27
